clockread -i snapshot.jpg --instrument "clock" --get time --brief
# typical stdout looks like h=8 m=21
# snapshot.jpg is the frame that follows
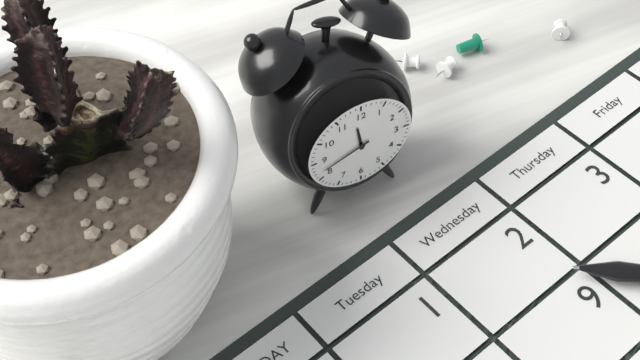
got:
h=11 m=42
